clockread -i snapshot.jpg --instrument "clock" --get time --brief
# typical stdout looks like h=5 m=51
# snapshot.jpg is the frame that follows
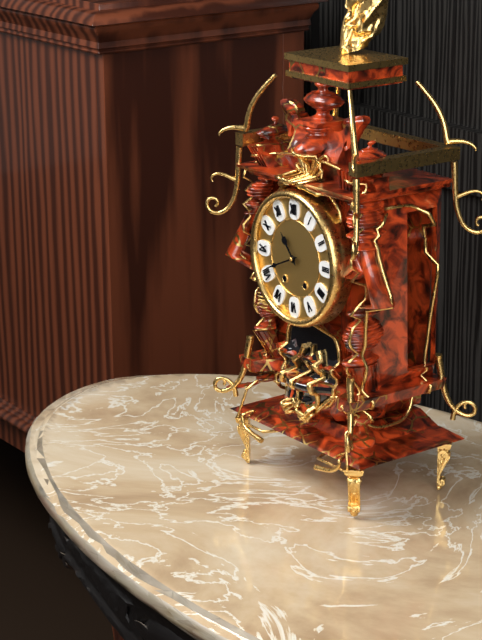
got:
h=10 m=41
